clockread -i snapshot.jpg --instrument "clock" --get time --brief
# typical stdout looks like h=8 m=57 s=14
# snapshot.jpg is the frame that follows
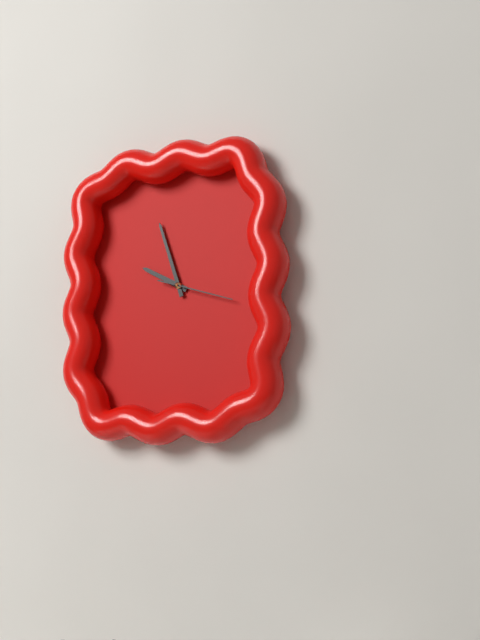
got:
h=9 m=57 s=18
